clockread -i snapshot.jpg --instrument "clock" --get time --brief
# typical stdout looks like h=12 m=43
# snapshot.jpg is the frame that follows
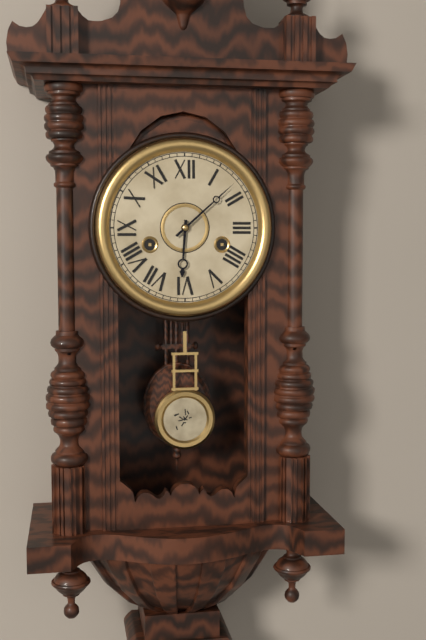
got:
h=6 m=8
